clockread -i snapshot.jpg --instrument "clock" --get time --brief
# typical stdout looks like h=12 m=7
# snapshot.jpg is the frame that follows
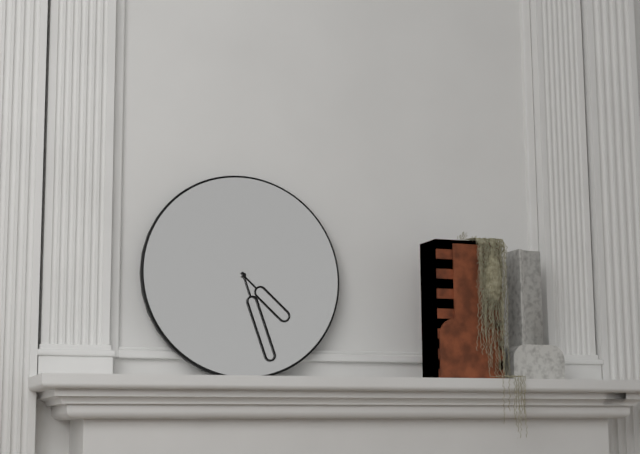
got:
h=4 m=27
